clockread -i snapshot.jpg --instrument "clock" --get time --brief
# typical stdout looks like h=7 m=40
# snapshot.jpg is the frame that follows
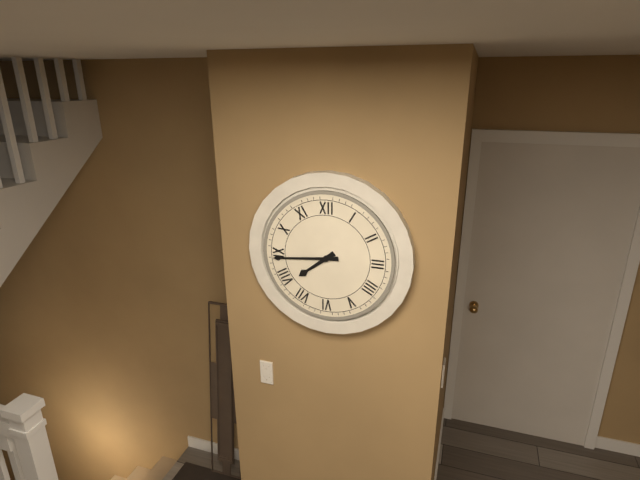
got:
h=7 m=44
